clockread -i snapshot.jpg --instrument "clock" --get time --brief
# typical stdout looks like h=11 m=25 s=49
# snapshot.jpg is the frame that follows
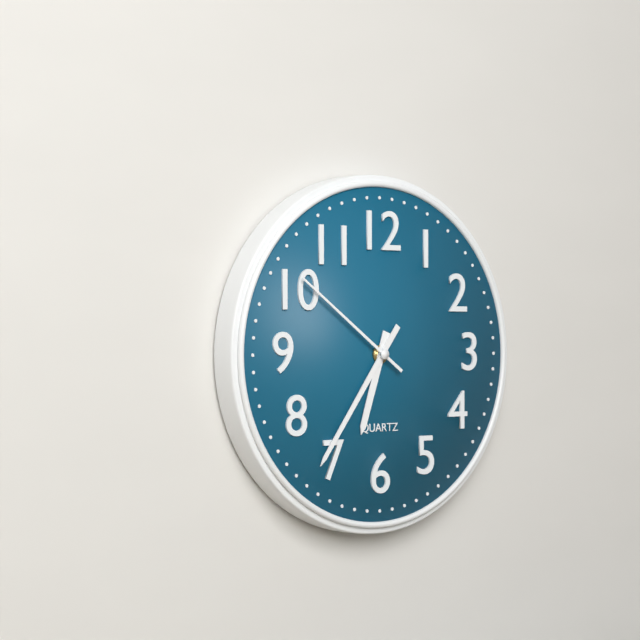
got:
h=6 m=36 s=51
